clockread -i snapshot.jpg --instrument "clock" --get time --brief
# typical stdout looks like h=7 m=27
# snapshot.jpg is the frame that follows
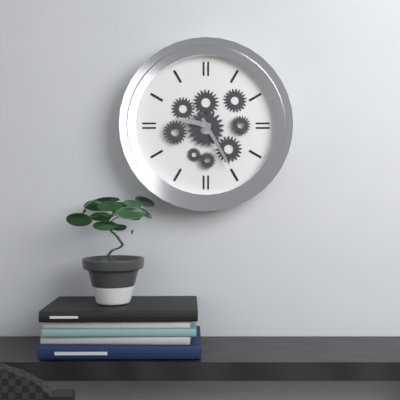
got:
h=9 m=25
